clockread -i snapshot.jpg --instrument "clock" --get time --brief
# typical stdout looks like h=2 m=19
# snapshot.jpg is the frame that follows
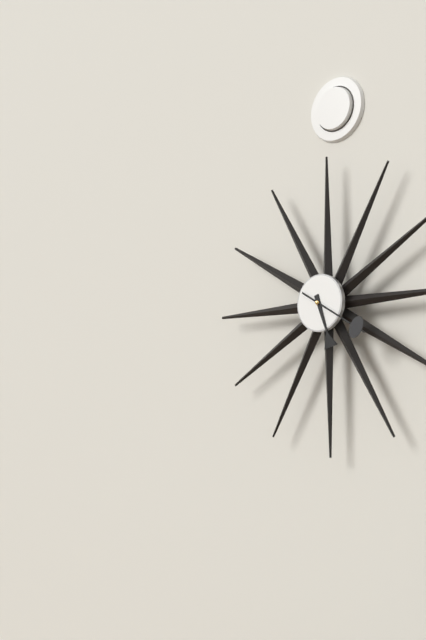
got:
h=5 m=20
